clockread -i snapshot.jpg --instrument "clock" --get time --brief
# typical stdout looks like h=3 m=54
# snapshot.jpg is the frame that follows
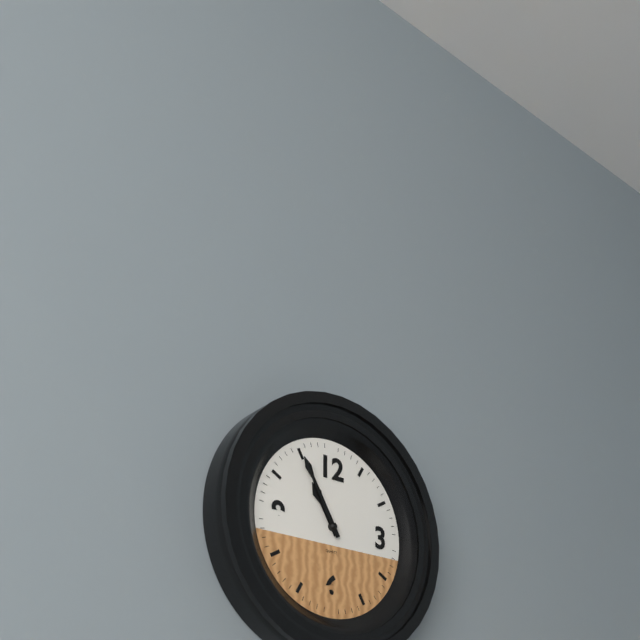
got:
h=10 m=55
